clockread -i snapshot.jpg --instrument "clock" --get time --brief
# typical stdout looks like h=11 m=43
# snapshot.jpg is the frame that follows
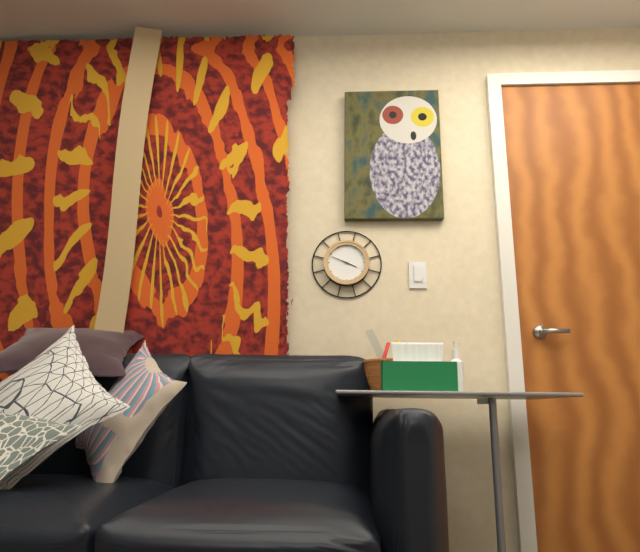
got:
h=3 m=49
